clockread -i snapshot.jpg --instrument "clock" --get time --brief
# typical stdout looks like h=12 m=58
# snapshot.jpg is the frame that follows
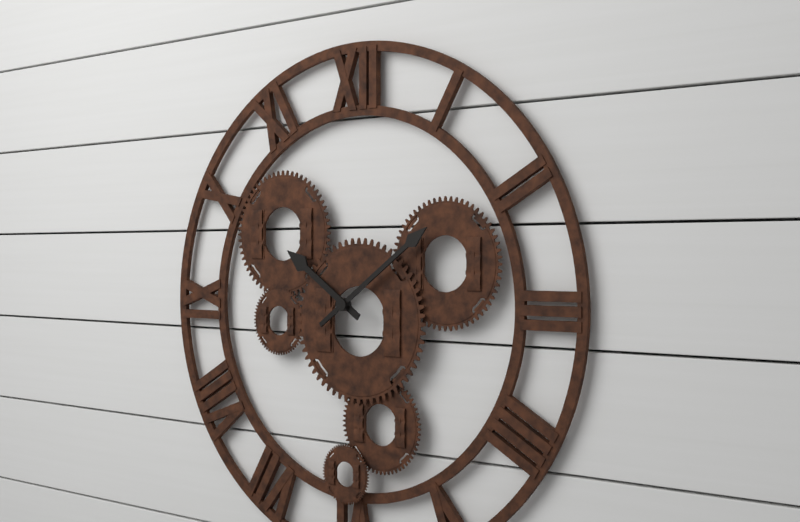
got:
h=10 m=9
